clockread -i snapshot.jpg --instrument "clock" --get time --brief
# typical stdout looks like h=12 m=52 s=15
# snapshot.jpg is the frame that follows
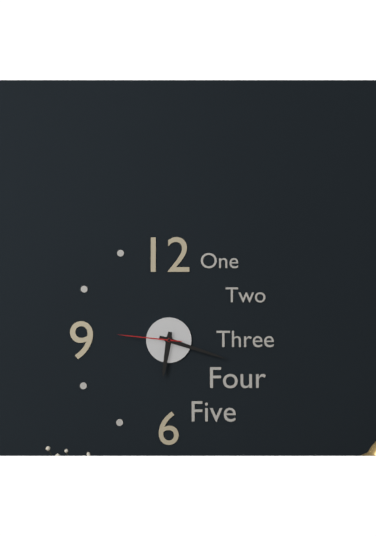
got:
h=6 m=18 s=46
